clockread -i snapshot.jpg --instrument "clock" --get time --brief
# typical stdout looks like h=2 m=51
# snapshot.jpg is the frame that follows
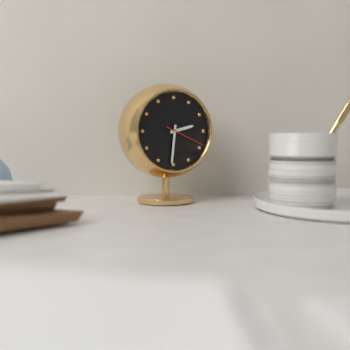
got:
h=2 m=31
